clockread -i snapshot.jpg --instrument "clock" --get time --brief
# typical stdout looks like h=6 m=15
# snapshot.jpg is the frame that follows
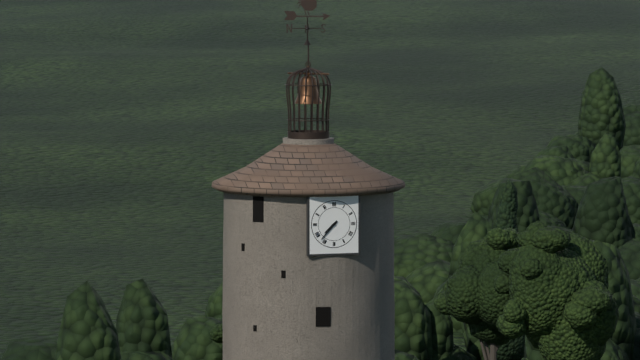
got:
h=7 m=37
